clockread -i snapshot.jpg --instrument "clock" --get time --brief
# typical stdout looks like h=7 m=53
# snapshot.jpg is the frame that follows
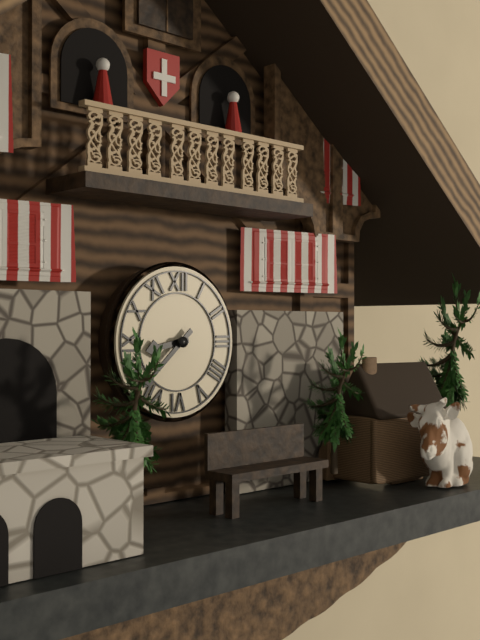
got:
h=8 m=38
